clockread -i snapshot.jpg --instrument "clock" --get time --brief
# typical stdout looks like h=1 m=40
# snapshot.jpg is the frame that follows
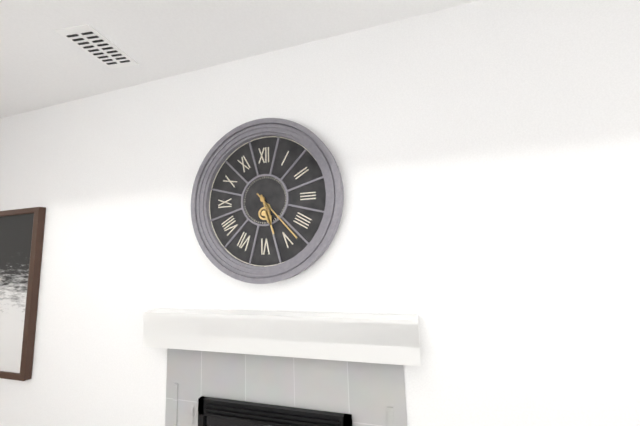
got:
h=5 m=23
